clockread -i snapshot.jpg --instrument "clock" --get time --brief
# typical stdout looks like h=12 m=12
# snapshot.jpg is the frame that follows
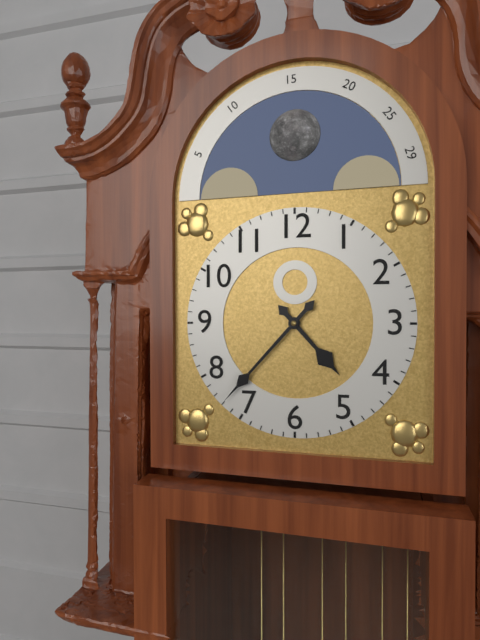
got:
h=4 m=37
